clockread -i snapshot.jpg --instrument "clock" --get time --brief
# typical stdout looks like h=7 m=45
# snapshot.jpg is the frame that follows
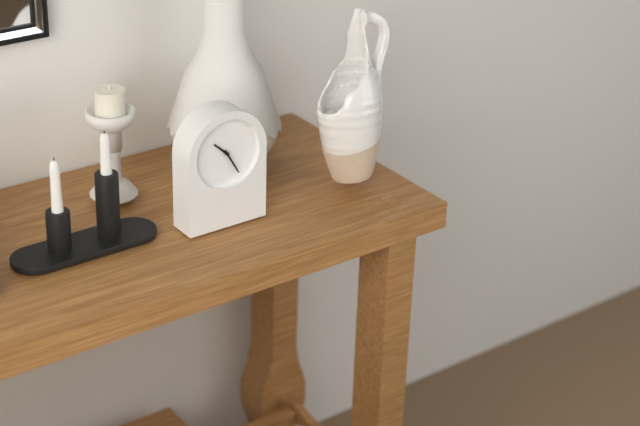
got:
h=10 m=25
